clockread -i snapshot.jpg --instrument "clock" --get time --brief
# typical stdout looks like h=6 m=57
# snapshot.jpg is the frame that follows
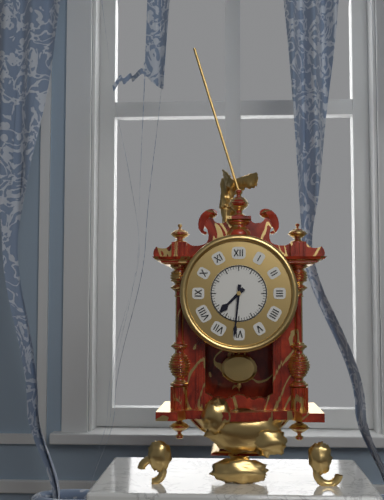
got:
h=7 m=31
